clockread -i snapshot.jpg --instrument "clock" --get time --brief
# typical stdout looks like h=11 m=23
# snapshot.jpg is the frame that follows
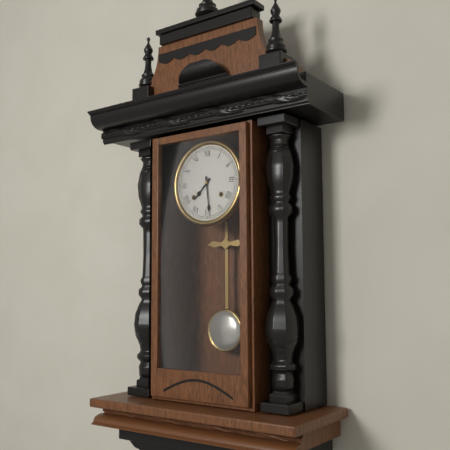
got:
h=7 m=29
